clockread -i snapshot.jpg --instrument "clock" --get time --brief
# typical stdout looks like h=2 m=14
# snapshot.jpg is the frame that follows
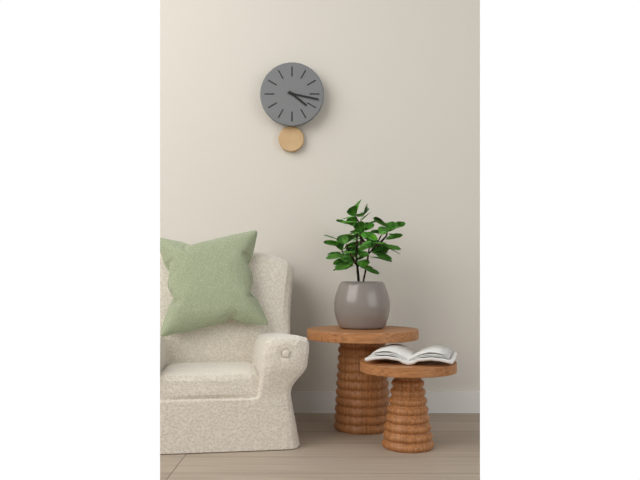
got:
h=4 m=17
